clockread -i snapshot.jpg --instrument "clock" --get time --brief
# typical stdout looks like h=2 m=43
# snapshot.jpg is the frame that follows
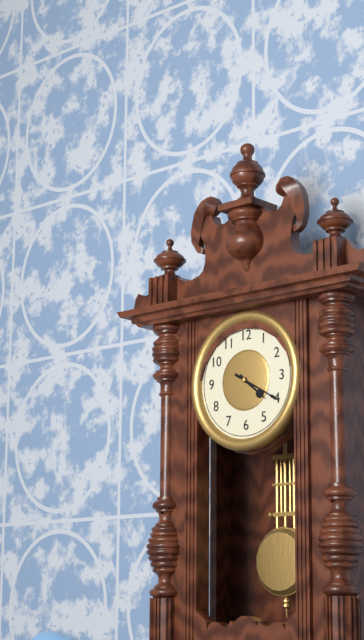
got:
h=4 m=20
